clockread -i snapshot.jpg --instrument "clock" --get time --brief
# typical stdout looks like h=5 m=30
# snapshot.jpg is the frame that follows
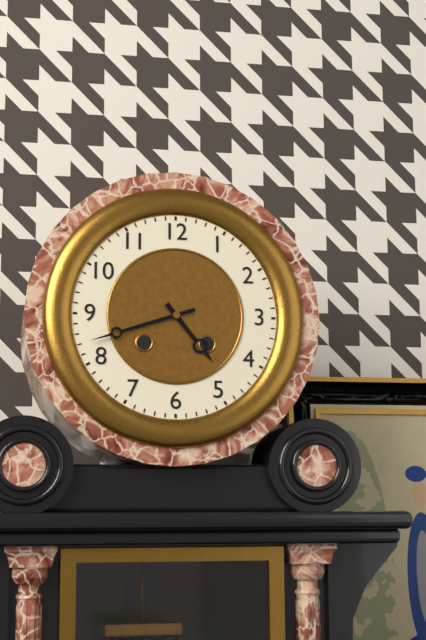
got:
h=4 m=42
